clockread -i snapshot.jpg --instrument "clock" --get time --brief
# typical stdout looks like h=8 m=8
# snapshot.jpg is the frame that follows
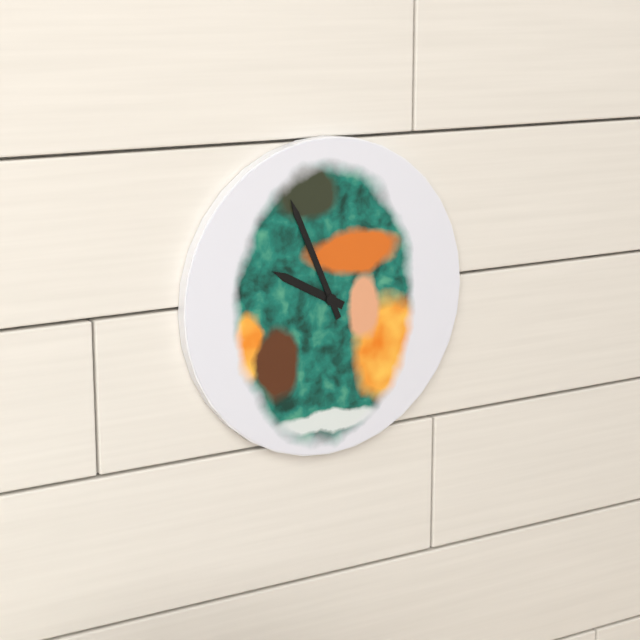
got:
h=9 m=56
